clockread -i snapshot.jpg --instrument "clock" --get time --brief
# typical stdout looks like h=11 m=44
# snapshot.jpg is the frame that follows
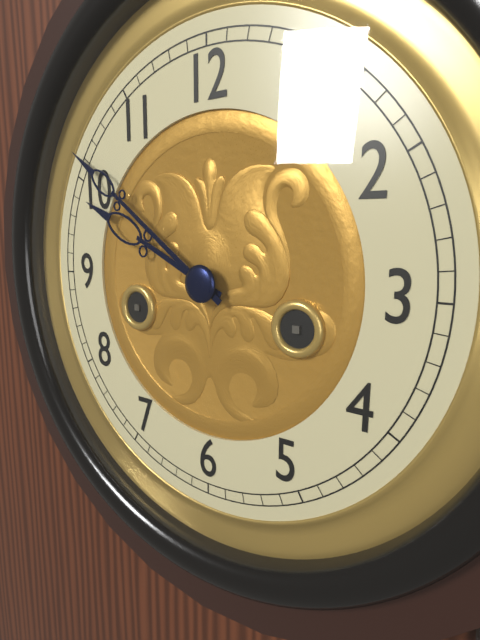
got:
h=9 m=51
